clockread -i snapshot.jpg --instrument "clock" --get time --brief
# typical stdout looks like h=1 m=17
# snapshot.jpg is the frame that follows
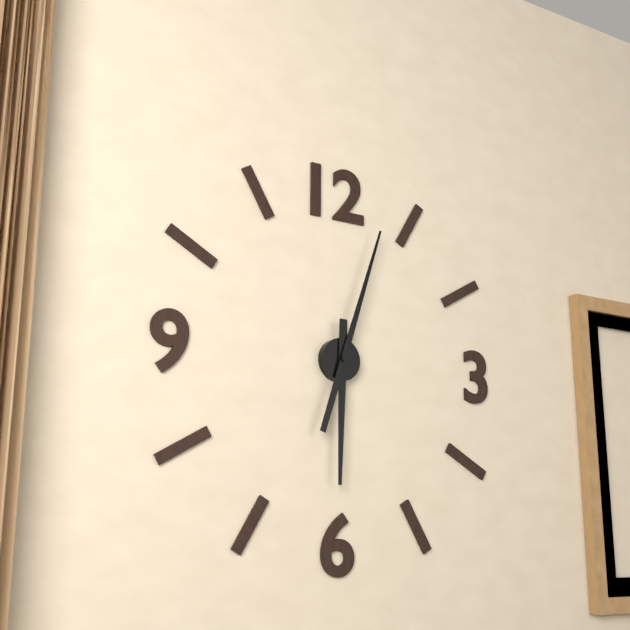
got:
h=6 m=3
